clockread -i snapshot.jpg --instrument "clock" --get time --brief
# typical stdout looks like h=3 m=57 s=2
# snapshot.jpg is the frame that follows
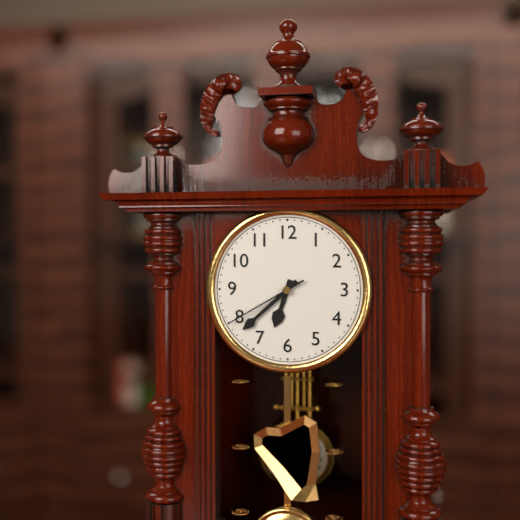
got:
h=6 m=38 s=40
